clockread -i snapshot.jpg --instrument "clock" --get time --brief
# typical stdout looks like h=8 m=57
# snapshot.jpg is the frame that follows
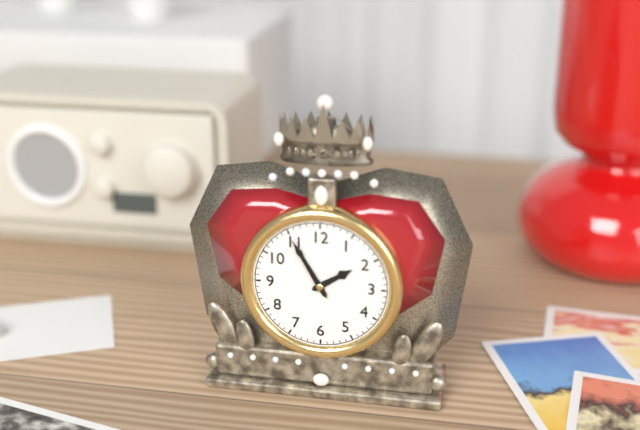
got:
h=1 m=55
